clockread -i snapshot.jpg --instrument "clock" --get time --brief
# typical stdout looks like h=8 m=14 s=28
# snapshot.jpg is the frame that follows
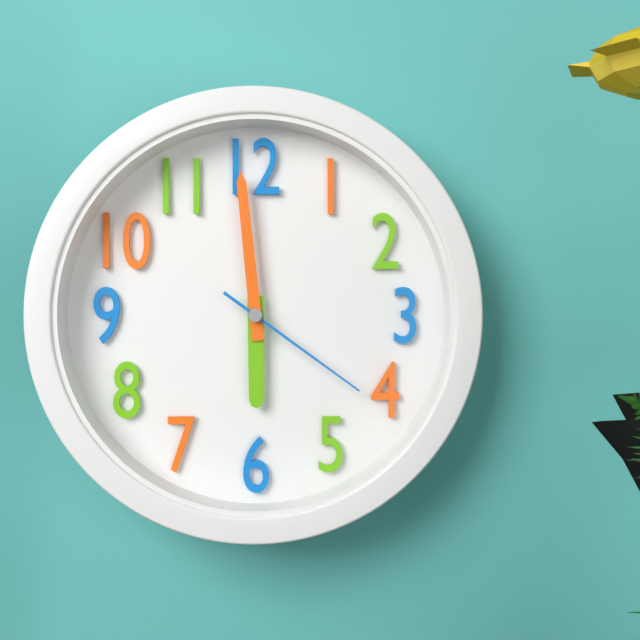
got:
h=5 m=59 s=21
